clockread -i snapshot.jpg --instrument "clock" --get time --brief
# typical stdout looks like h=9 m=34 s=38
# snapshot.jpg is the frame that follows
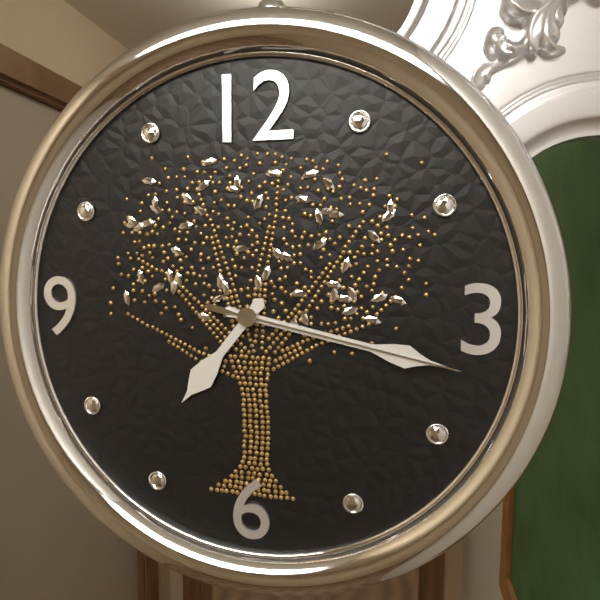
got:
h=7 m=17 s=17
